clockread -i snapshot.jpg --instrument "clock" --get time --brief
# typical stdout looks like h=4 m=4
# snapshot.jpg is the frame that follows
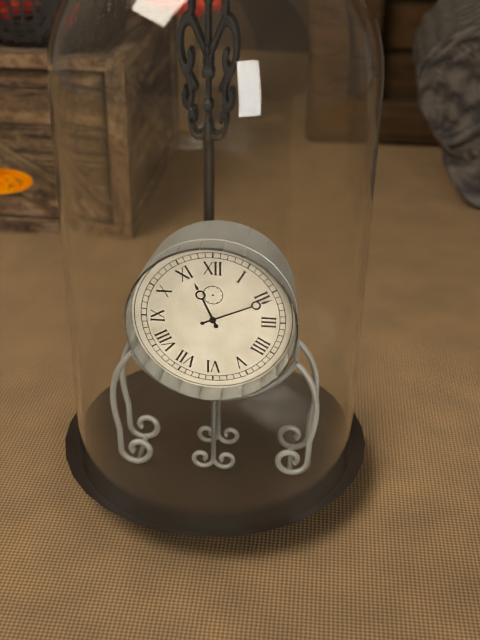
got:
h=11 m=11
